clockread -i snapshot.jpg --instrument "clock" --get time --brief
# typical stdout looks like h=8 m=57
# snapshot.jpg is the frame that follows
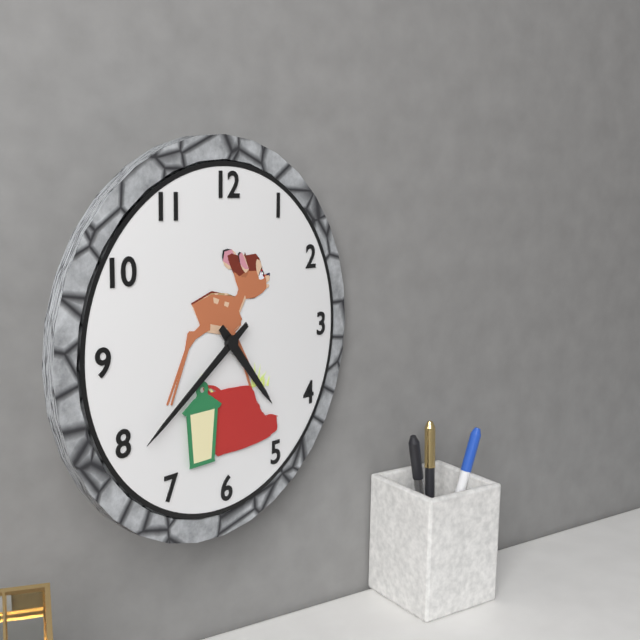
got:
h=4 m=39
